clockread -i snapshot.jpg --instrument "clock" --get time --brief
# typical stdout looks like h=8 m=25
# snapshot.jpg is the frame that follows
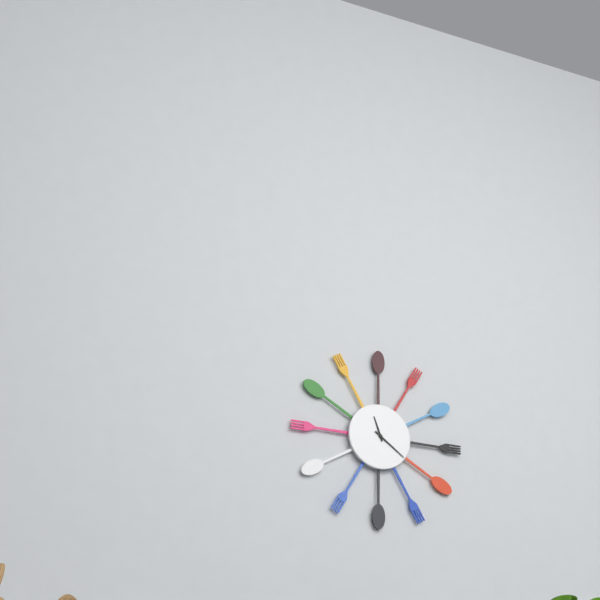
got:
h=11 m=21
